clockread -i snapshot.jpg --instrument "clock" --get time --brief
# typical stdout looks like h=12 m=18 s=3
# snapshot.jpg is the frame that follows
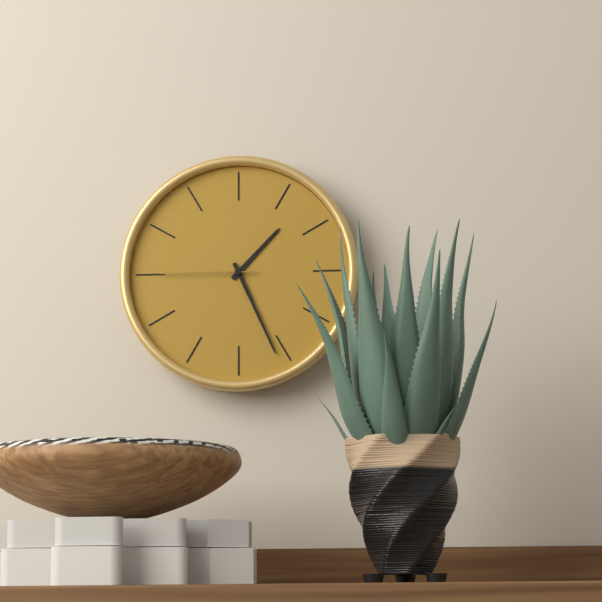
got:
h=1 m=26 s=45
